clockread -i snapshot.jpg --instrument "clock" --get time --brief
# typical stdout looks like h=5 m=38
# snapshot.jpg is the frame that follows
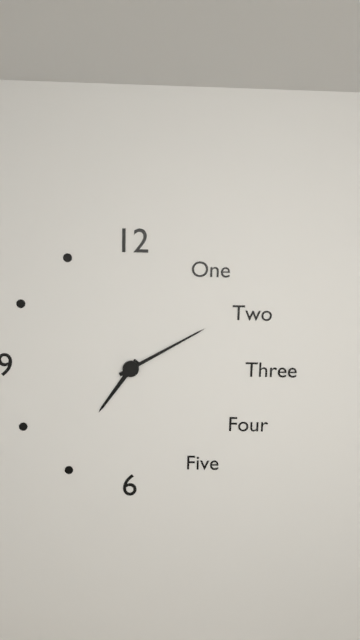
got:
h=7 m=10
